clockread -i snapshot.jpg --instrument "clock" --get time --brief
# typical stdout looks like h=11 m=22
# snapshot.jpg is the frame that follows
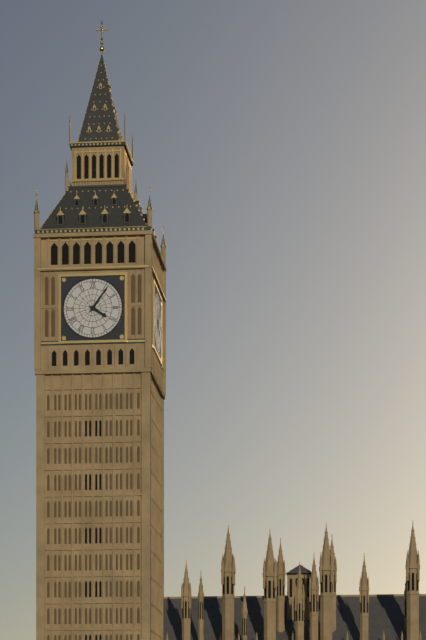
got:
h=4 m=6
